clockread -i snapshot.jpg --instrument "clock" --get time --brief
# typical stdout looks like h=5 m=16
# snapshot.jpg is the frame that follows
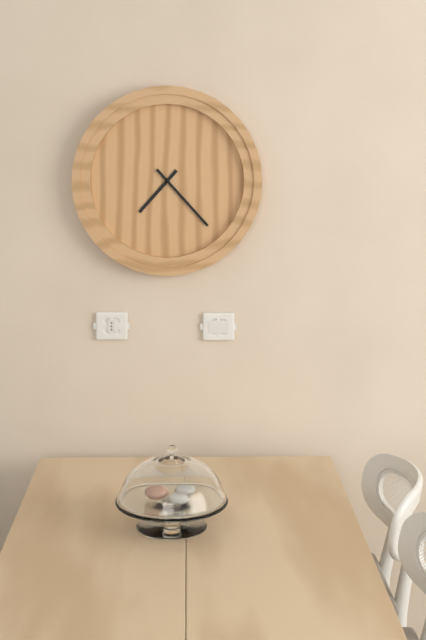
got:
h=7 m=23
